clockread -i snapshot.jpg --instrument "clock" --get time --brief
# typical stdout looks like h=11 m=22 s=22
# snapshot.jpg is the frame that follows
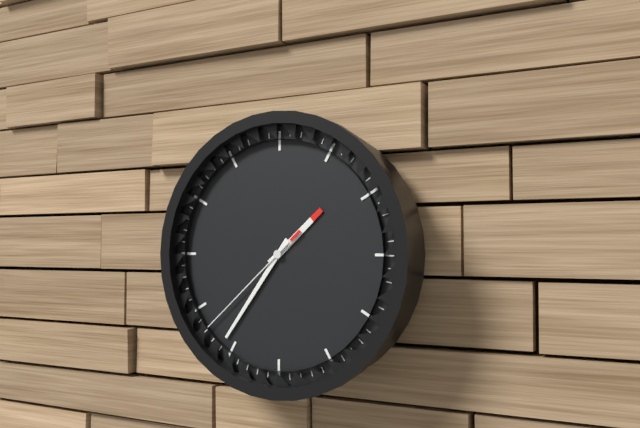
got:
h=1 m=36 s=38
